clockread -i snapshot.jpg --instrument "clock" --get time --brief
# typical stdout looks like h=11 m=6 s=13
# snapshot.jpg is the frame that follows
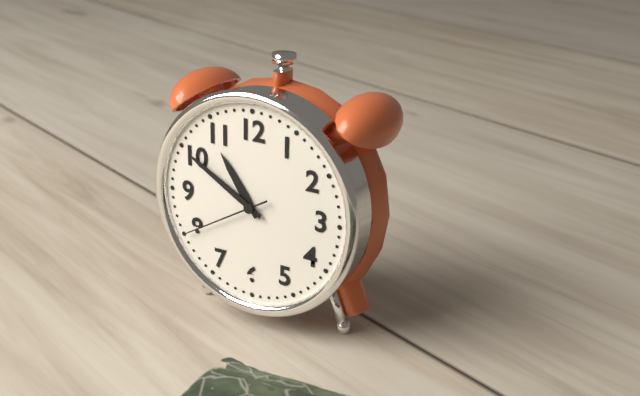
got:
h=10 m=50 s=40
